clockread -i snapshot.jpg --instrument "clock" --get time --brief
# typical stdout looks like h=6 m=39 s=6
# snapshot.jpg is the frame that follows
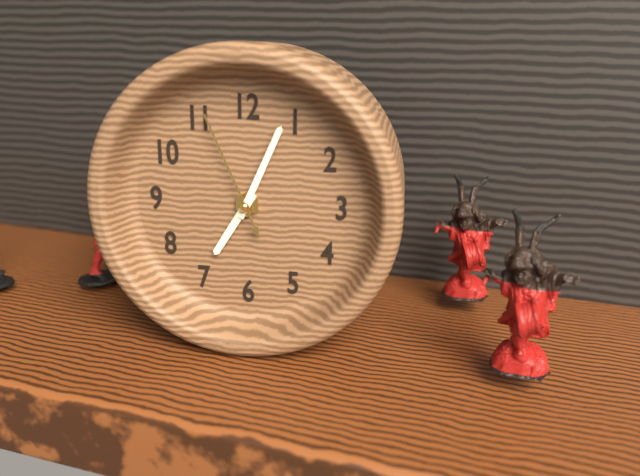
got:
h=7 m=4 s=56
